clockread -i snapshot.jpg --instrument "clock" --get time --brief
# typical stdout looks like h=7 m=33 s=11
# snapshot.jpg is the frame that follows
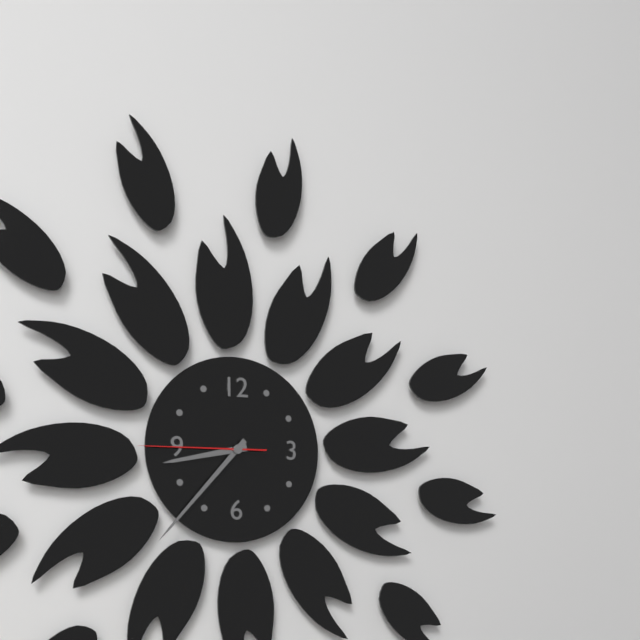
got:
h=8 m=37 s=45
